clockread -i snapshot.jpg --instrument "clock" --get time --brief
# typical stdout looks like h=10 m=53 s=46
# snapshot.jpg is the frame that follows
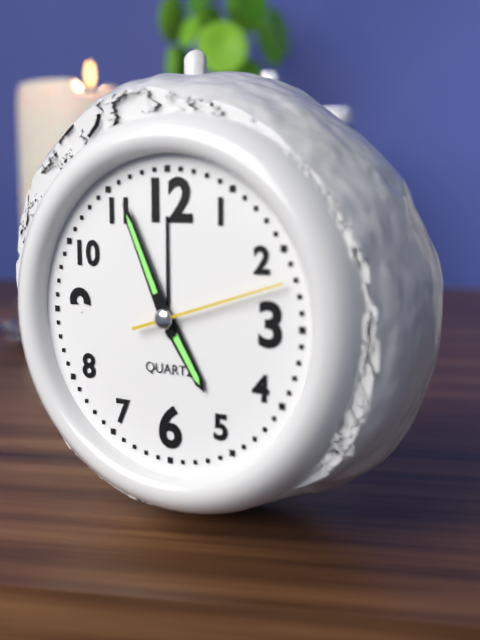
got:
h=4 m=56 s=12
